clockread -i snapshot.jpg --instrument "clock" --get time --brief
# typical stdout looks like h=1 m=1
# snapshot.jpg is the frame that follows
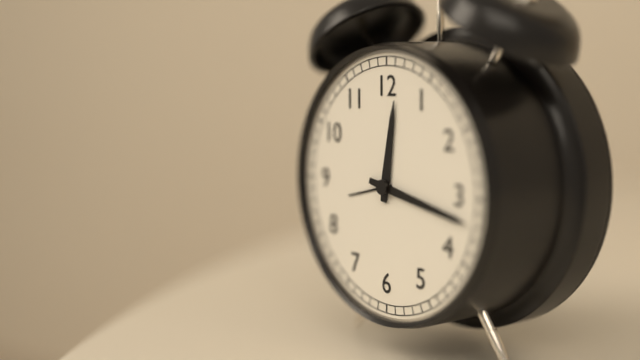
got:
h=12 m=17
